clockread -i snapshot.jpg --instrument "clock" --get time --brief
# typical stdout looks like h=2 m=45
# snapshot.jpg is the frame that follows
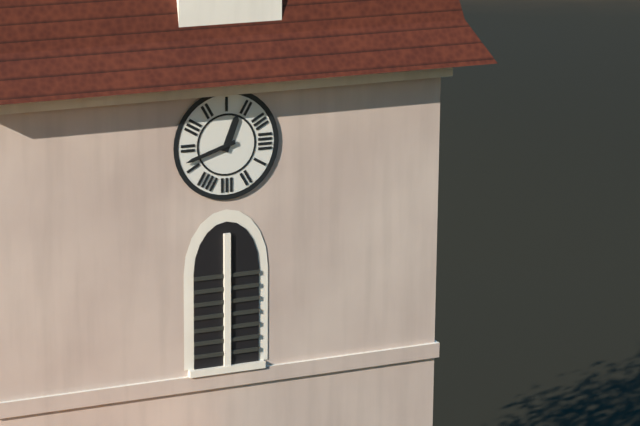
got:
h=12 m=42
